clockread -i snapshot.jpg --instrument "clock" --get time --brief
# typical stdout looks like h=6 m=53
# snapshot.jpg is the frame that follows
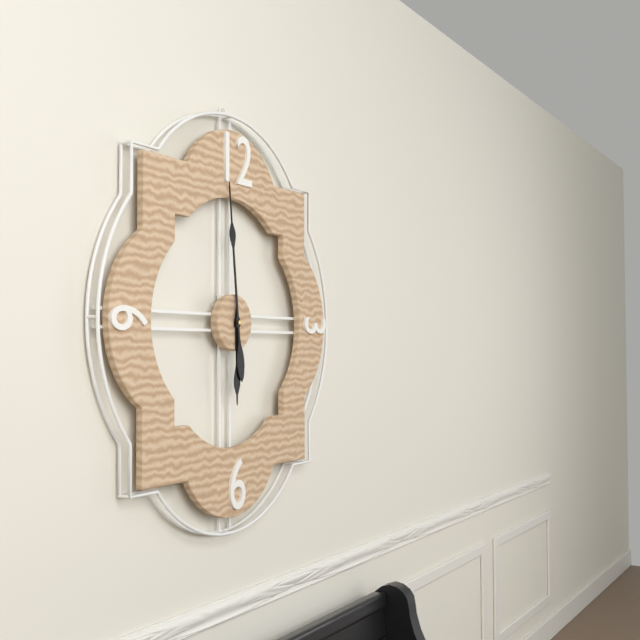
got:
h=5 m=59
